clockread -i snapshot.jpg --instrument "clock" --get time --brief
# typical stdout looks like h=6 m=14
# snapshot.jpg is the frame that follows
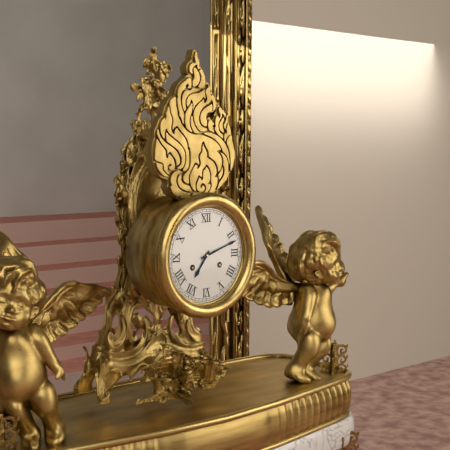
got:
h=7 m=12
